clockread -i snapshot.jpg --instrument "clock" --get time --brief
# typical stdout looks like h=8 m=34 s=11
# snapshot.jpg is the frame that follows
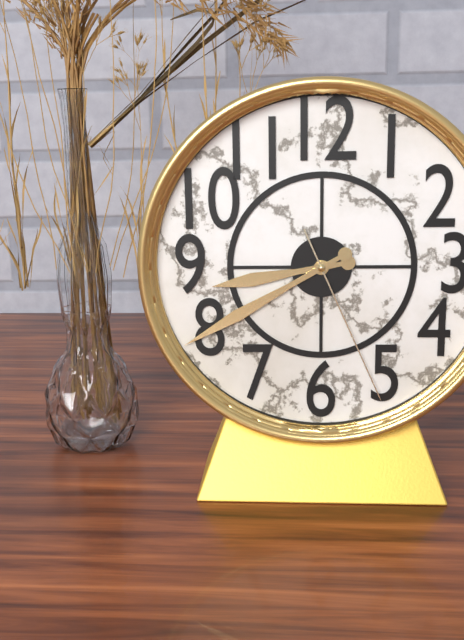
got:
h=8 m=40 s=26
